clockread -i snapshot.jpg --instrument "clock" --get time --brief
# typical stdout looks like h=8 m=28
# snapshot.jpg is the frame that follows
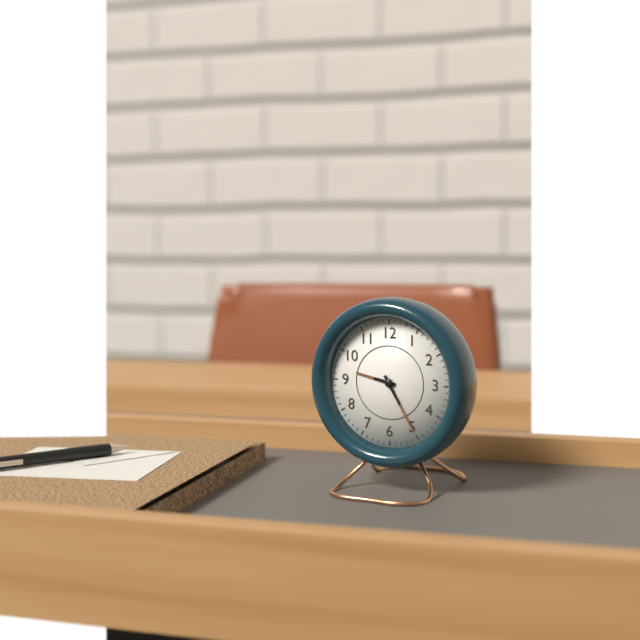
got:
h=9 m=25
